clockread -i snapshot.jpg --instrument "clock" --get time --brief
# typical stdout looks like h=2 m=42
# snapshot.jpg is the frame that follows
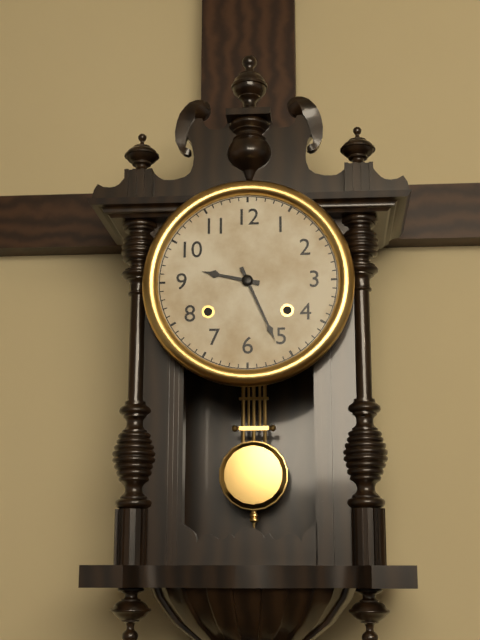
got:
h=9 m=26
